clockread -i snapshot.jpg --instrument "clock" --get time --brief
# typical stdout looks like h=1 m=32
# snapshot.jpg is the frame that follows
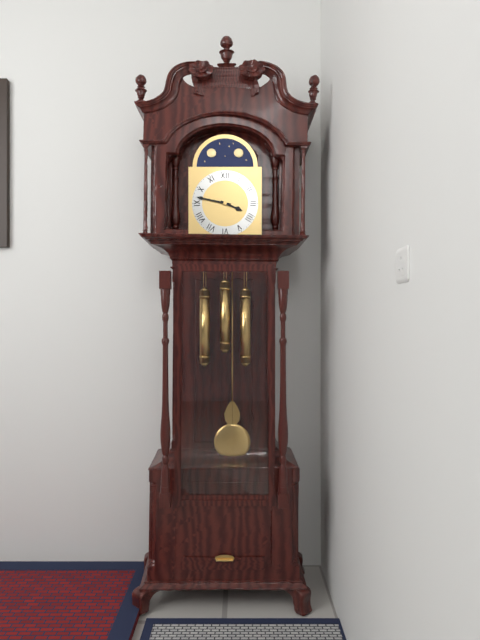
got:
h=3 m=47
